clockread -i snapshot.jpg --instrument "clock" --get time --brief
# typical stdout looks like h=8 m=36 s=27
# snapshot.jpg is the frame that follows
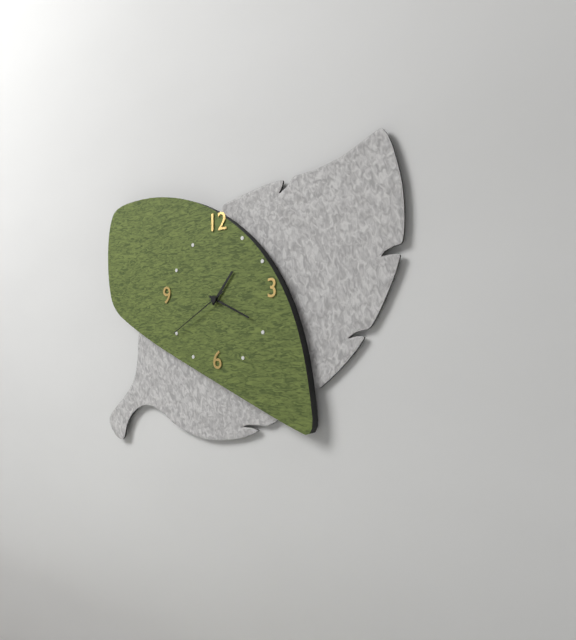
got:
h=1 m=19 s=40
